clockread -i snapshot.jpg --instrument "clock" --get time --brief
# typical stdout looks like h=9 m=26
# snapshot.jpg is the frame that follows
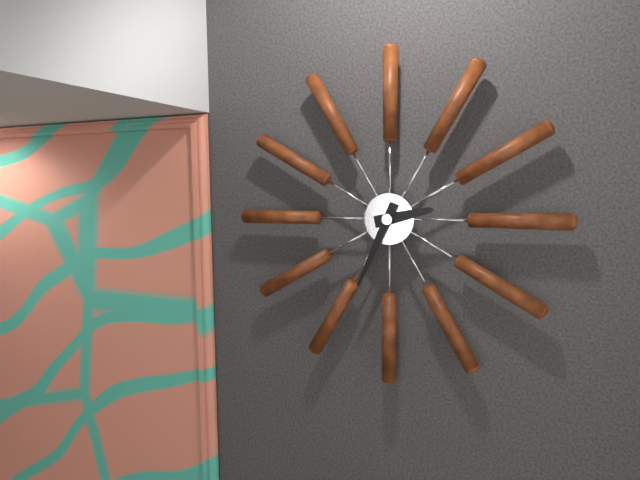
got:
h=2 m=34
